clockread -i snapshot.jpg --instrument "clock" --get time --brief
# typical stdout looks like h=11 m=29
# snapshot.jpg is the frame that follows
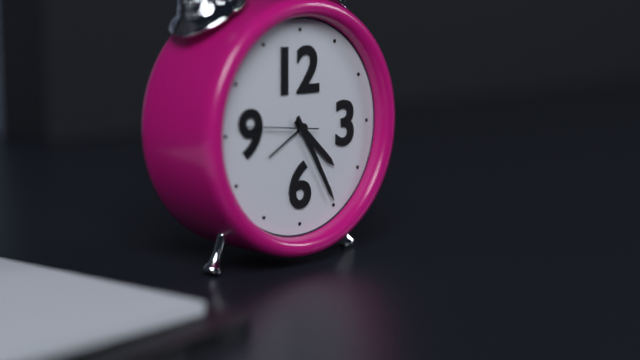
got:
h=4 m=25
